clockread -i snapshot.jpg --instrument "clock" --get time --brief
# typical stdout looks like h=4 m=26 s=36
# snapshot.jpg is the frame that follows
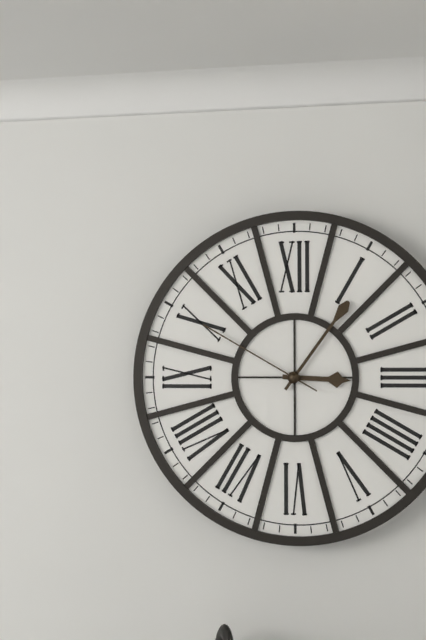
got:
h=3 m=6 s=50
